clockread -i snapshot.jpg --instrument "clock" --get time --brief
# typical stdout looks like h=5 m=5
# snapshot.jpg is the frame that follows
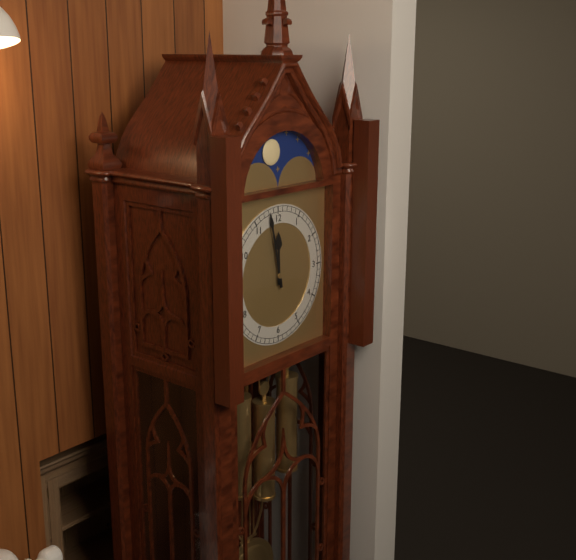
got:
h=11 m=58
